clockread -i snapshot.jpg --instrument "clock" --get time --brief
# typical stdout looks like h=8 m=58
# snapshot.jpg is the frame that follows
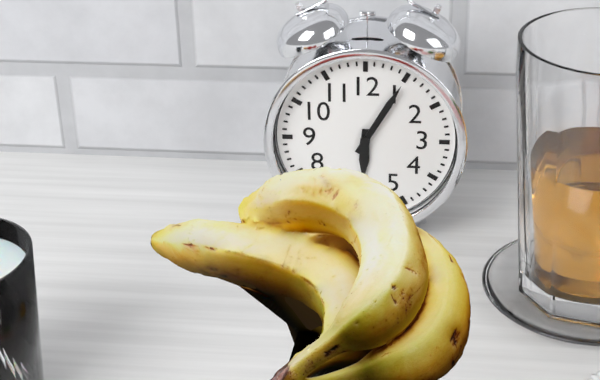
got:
h=6 m=5
